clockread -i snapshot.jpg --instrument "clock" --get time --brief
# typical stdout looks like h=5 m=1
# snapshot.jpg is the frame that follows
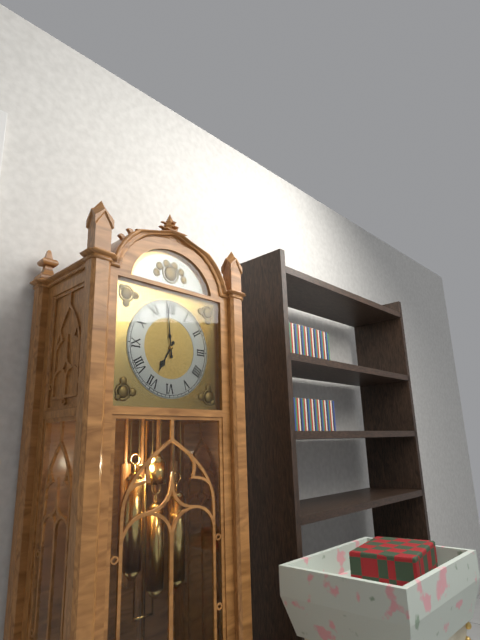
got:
h=6 m=59
